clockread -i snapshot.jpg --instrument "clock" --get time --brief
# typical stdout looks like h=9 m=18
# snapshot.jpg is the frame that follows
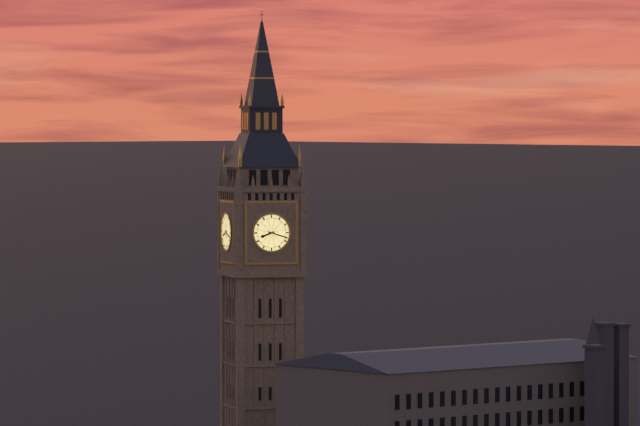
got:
h=8 m=18
